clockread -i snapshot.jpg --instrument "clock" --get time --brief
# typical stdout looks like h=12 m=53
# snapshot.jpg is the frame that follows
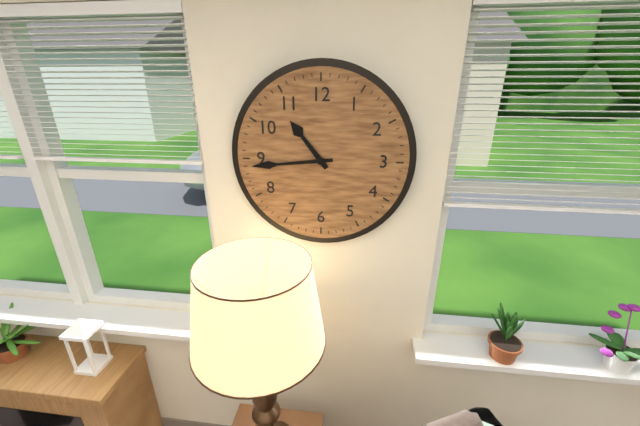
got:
h=10 m=44
